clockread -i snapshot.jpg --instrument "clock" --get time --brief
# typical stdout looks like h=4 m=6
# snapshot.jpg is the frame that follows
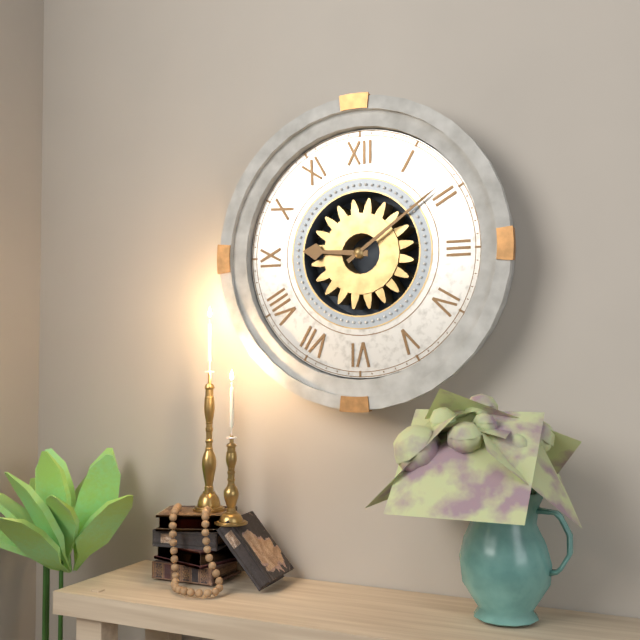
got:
h=9 m=9
